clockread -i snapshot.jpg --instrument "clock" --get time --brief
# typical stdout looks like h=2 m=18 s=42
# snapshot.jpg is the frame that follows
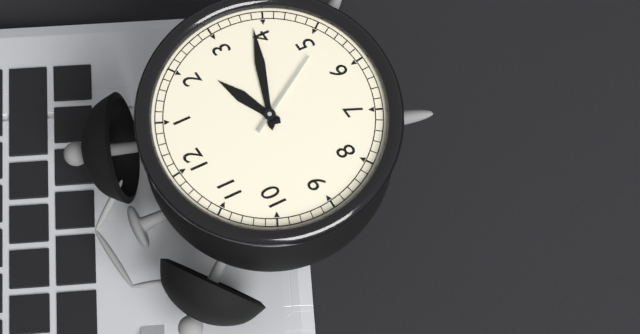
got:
h=2 m=19 s=26
